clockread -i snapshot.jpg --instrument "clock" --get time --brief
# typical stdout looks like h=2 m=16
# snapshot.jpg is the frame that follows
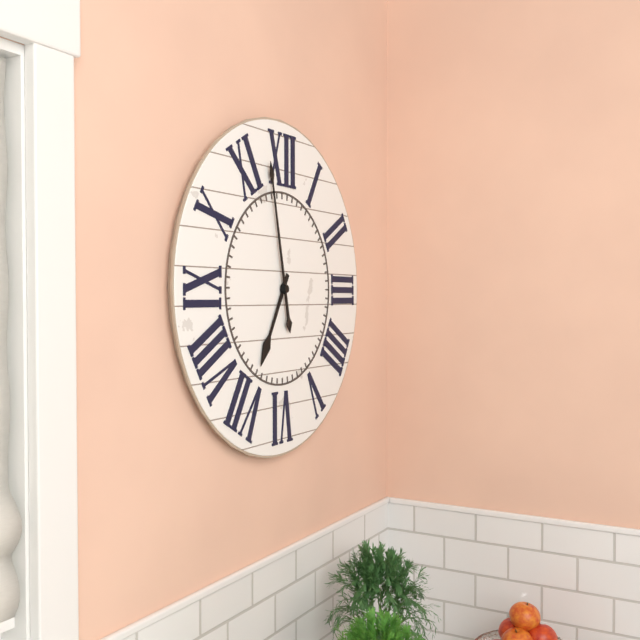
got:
h=6 m=58
